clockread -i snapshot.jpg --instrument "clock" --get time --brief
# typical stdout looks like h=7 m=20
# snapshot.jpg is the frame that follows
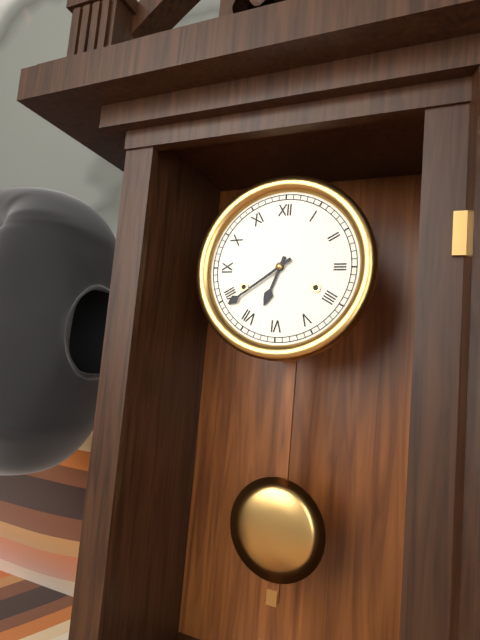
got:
h=6 m=39
